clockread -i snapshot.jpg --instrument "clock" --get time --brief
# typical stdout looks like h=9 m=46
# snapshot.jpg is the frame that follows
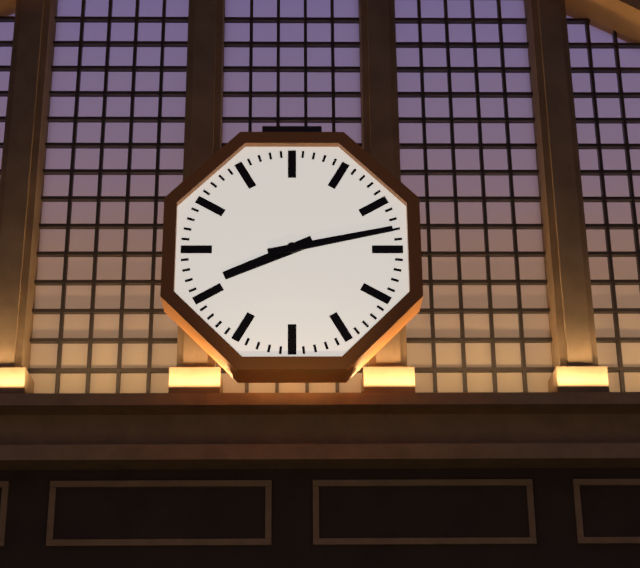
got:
h=8 m=13
